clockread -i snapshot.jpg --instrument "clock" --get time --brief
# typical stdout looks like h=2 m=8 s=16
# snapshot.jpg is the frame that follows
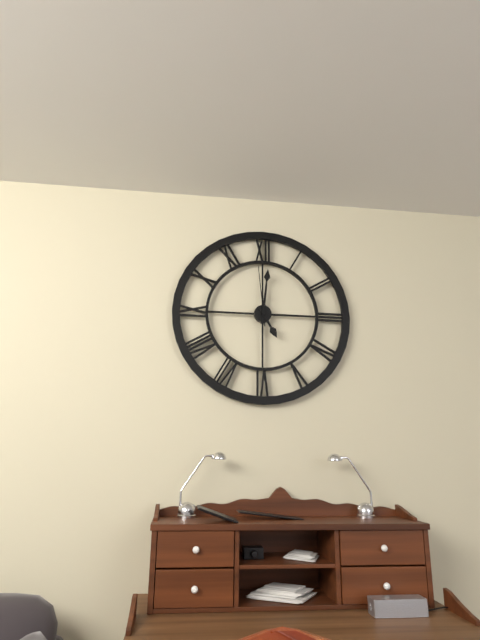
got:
h=5 m=1 s=59
